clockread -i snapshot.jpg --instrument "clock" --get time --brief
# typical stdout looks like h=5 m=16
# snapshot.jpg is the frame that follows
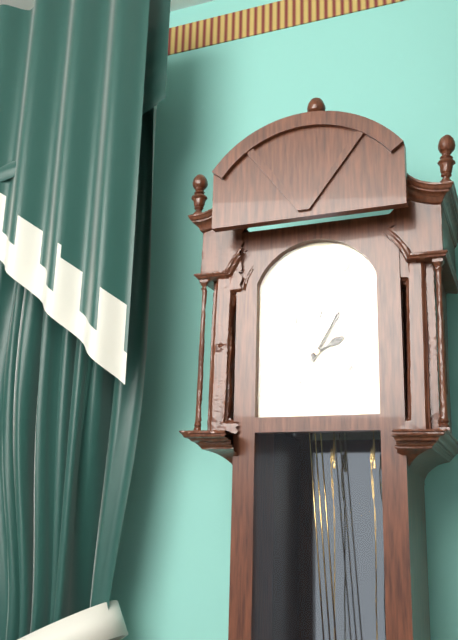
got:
h=2 m=5
